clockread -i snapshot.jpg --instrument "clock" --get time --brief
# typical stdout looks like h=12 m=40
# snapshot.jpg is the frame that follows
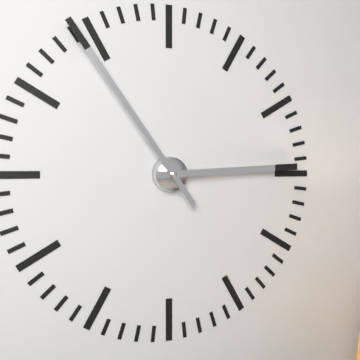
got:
h=2 m=54
